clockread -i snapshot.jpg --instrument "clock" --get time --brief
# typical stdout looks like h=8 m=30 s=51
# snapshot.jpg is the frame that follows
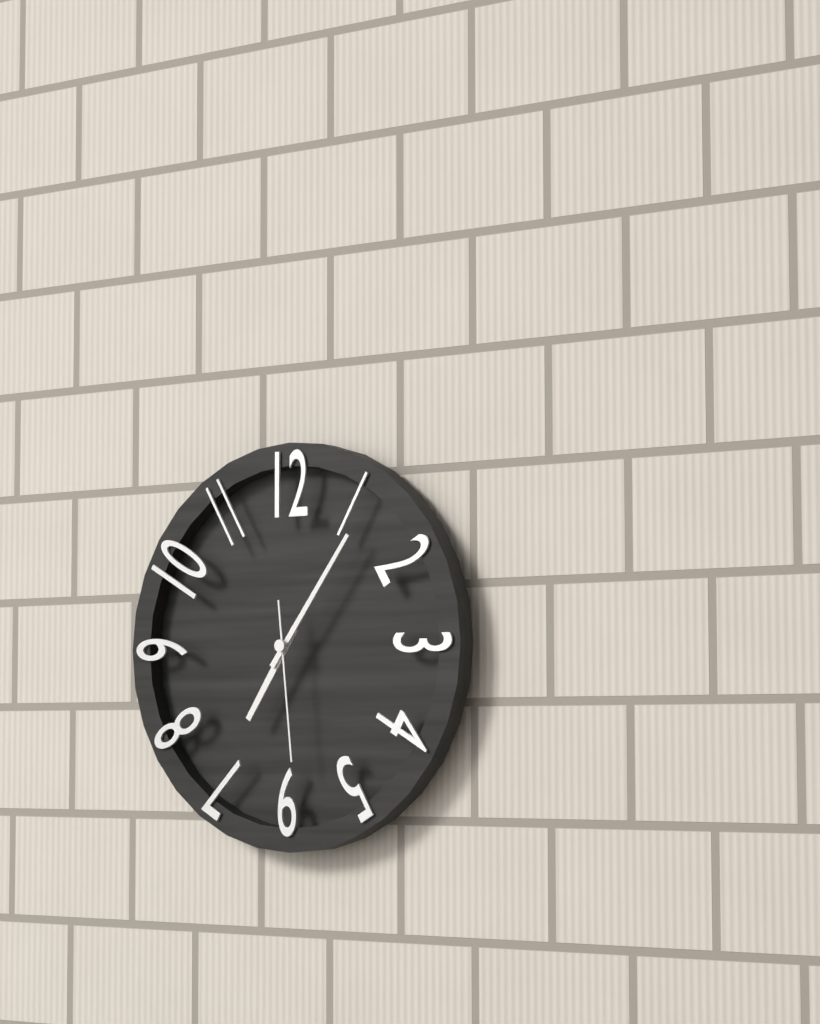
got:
h=7 m=6 s=29
